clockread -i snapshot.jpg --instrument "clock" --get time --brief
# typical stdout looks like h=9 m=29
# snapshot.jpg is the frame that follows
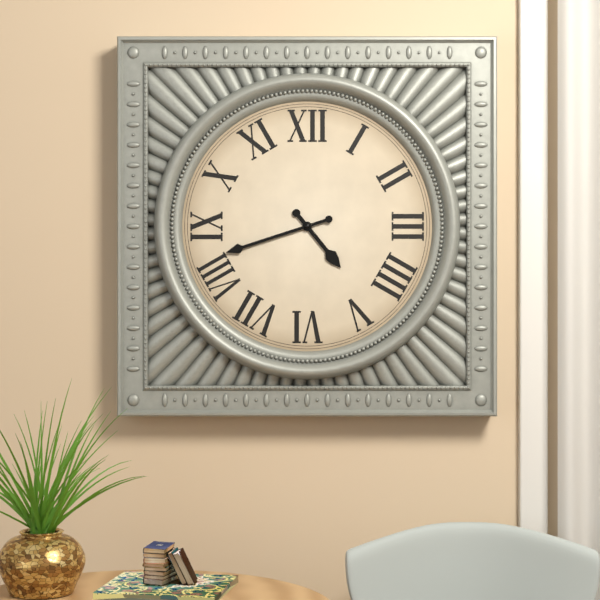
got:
h=4 m=42
